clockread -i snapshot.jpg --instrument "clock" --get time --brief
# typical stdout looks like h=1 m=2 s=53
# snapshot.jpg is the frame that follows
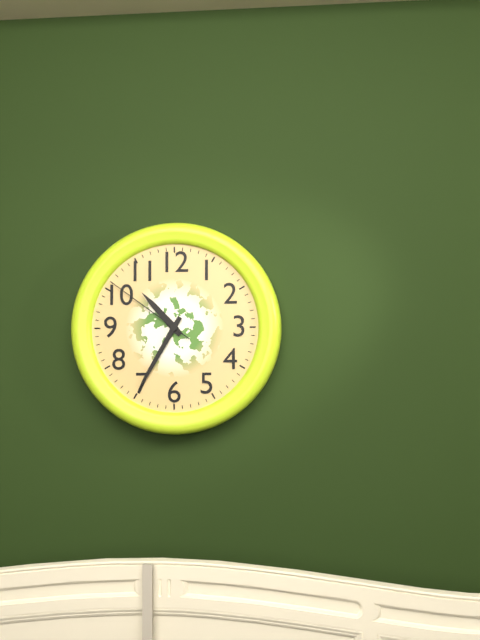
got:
h=10 m=35 s=51
